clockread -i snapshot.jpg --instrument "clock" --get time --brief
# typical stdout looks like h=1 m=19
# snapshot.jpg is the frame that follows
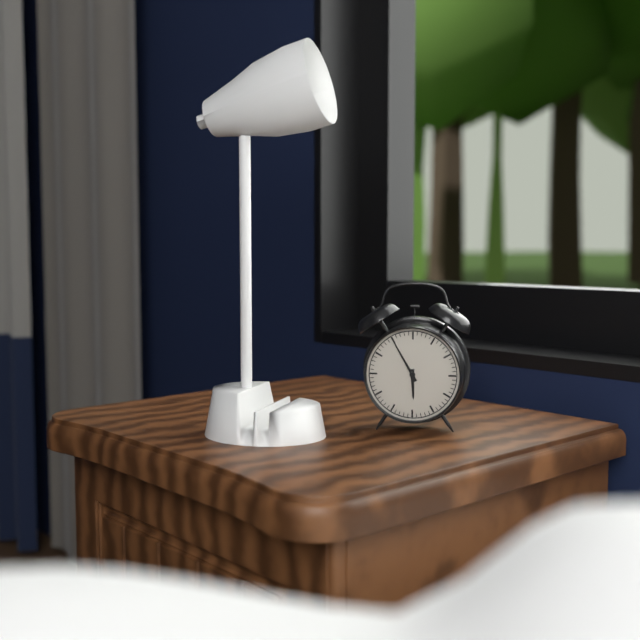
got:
h=5 m=55
